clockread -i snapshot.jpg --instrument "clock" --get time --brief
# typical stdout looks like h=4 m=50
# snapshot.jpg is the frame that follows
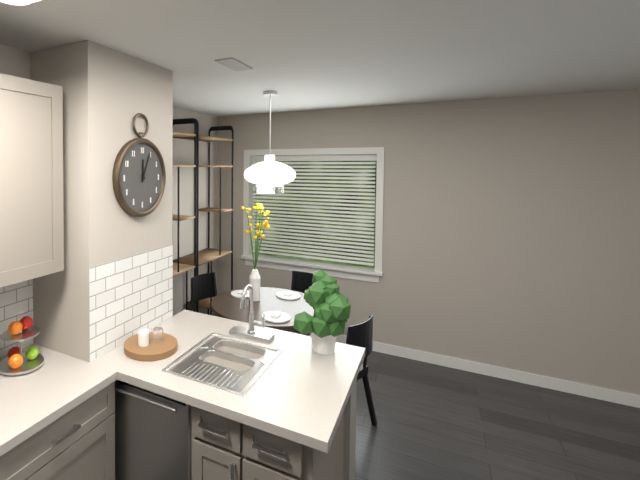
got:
h=12 m=4
